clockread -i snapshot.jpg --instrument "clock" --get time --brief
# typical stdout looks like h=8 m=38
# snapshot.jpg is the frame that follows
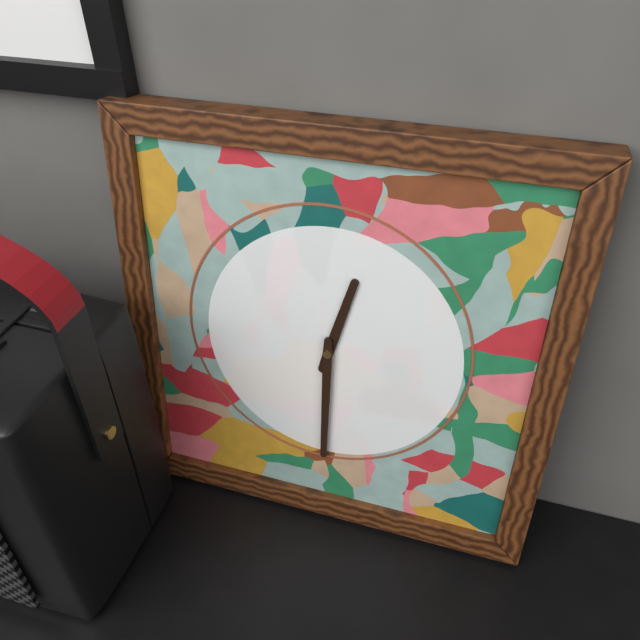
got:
h=12 m=30
